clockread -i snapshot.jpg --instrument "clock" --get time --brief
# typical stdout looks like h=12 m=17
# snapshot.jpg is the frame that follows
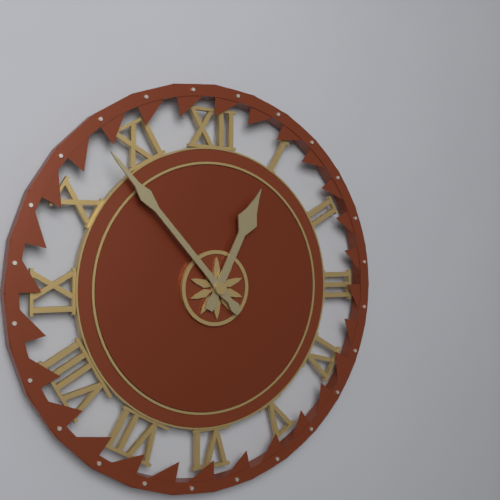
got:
h=12 m=53
